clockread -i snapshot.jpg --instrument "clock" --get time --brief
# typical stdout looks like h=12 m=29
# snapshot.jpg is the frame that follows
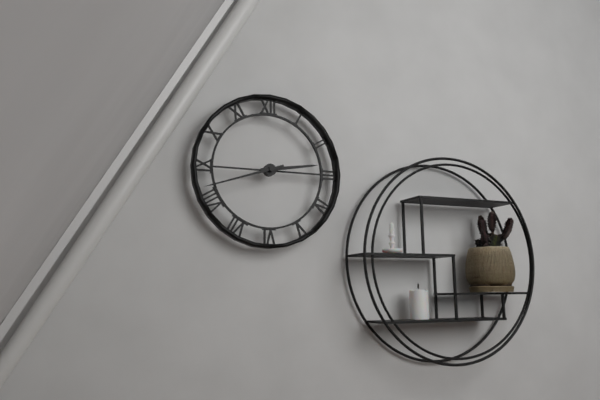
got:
h=2 m=42
